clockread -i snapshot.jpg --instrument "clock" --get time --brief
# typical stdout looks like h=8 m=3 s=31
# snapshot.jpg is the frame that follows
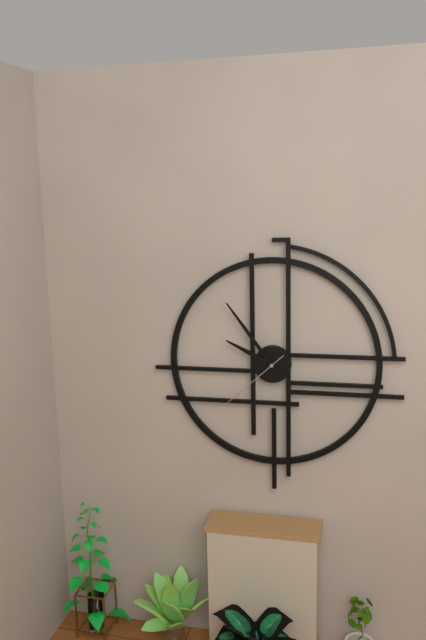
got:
h=9 m=54 s=38
